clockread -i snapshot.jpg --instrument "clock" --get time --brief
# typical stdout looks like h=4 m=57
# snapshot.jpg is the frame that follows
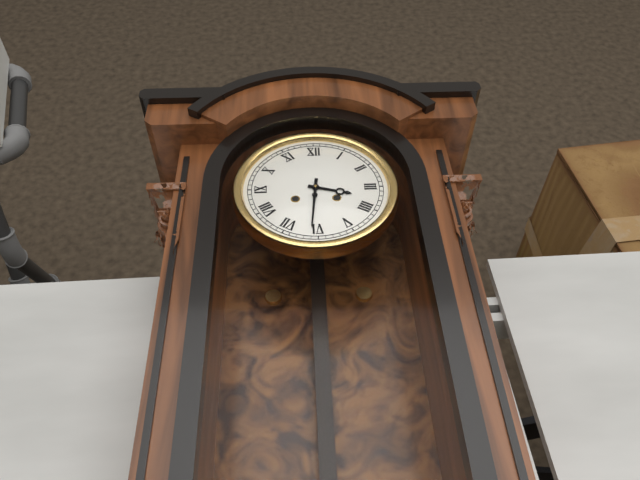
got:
h=3 m=31
